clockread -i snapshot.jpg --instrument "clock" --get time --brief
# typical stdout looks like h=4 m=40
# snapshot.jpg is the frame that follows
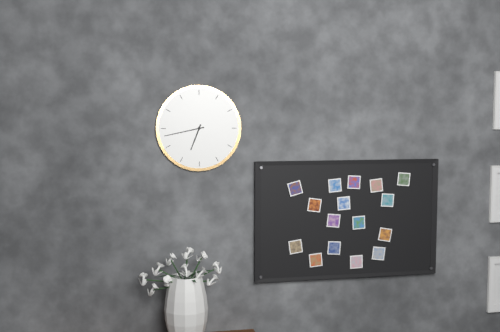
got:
h=6 m=43
